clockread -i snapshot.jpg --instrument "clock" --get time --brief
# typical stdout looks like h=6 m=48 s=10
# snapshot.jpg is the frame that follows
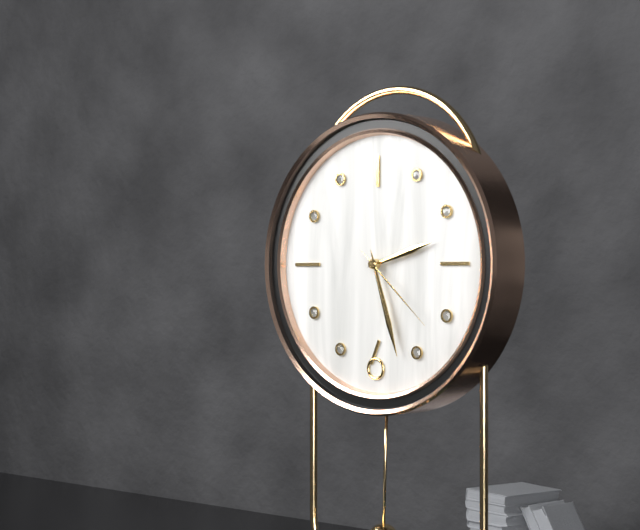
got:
h=2 m=27 s=22
